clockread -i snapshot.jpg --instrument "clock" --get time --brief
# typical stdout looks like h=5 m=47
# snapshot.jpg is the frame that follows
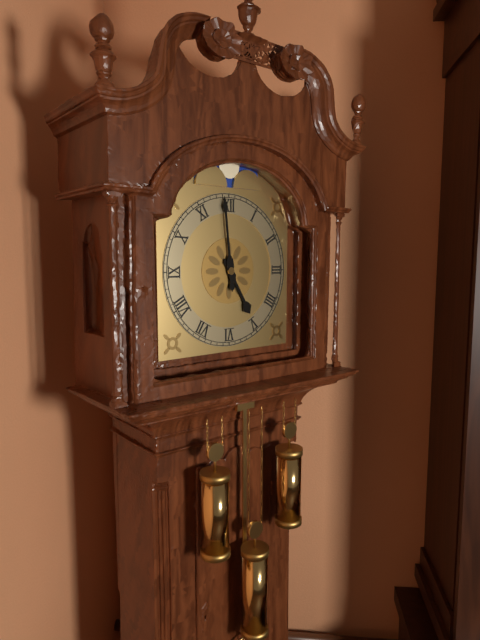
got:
h=4 m=59
